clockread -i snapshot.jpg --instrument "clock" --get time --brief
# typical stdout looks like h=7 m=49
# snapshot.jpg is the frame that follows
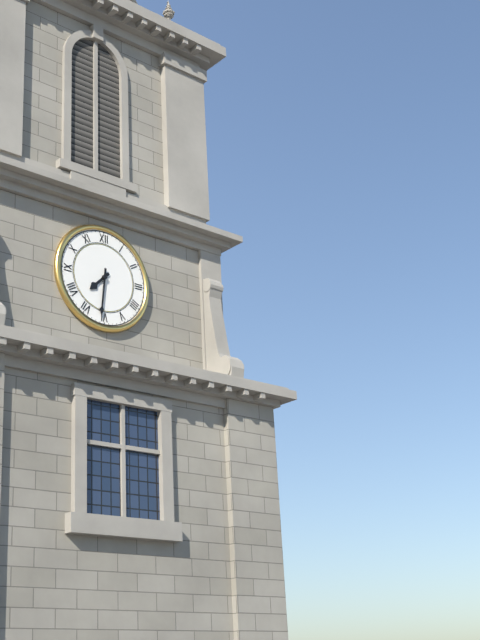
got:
h=7 m=31
